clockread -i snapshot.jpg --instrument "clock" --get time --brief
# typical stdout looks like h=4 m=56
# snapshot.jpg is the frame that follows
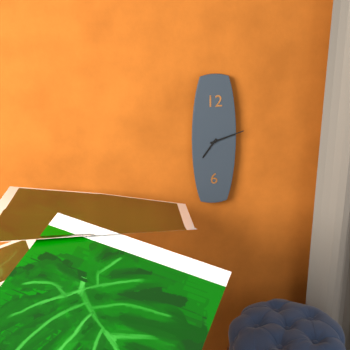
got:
h=7 m=12
